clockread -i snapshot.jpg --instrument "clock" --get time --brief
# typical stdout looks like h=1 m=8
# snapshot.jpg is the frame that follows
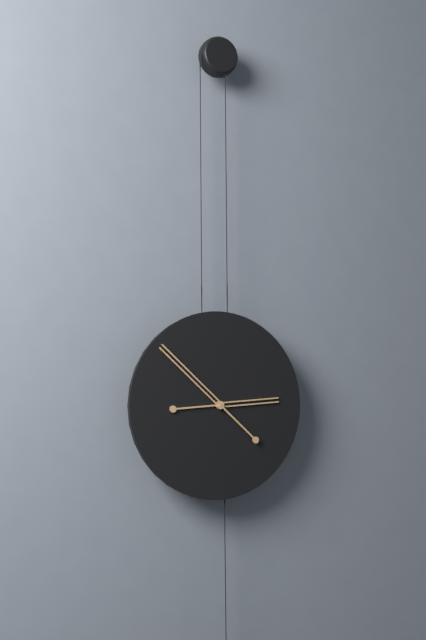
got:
h=2 m=52
